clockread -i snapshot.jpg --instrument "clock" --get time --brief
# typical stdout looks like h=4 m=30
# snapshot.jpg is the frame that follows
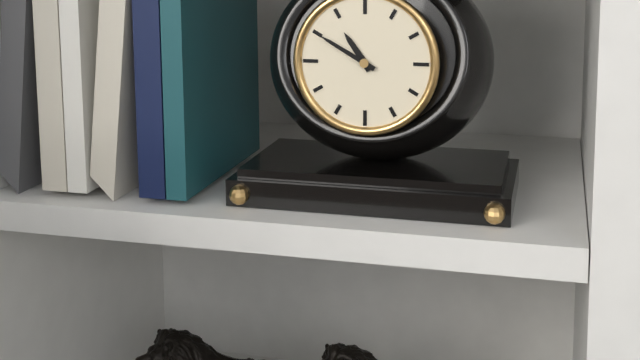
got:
h=10 m=50
